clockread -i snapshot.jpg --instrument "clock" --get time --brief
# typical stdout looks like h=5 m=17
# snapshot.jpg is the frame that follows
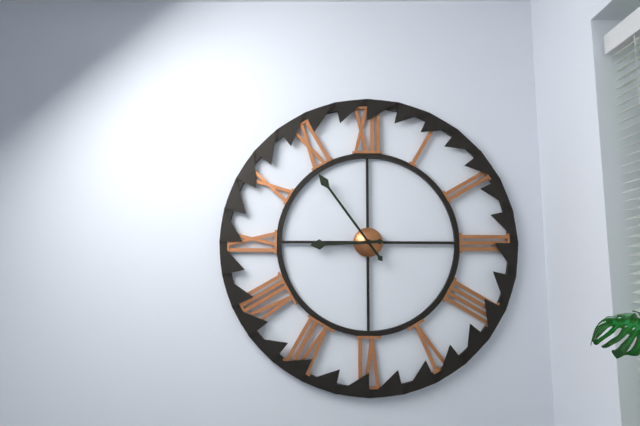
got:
h=8 m=54
